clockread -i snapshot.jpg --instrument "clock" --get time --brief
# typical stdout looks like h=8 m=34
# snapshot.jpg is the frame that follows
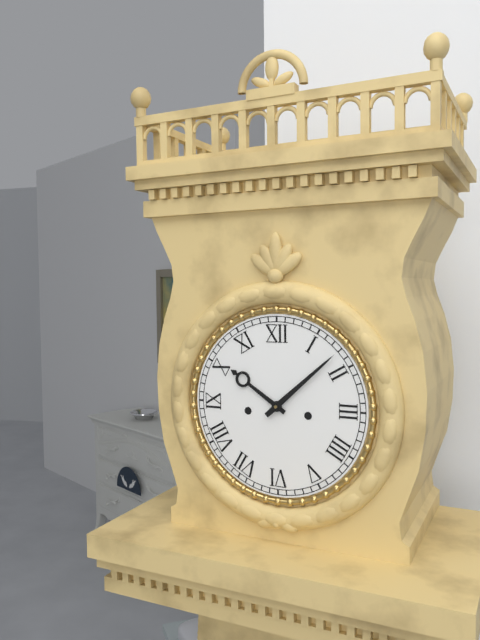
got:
h=10 m=8
